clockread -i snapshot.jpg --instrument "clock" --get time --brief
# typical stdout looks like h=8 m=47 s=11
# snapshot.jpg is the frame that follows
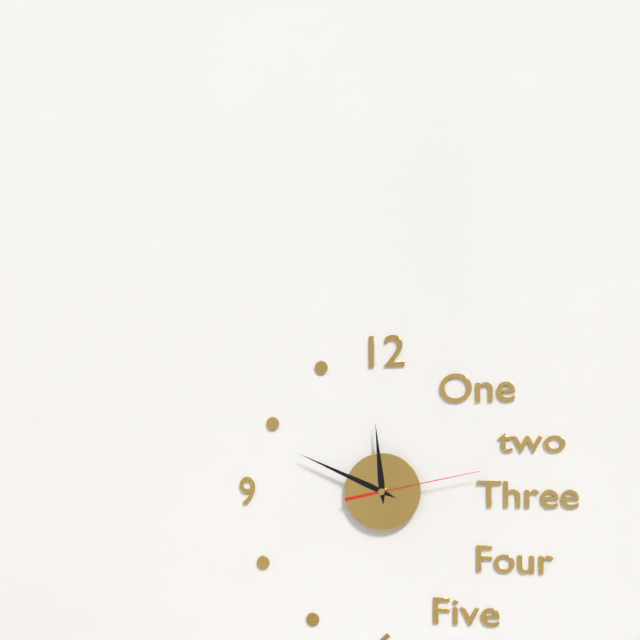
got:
h=11 m=49 s=13
